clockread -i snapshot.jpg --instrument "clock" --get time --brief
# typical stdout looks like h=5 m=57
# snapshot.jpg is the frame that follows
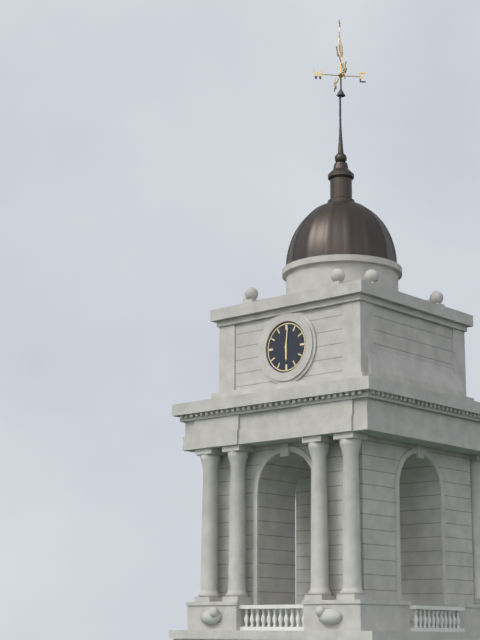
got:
h=6 m=1
